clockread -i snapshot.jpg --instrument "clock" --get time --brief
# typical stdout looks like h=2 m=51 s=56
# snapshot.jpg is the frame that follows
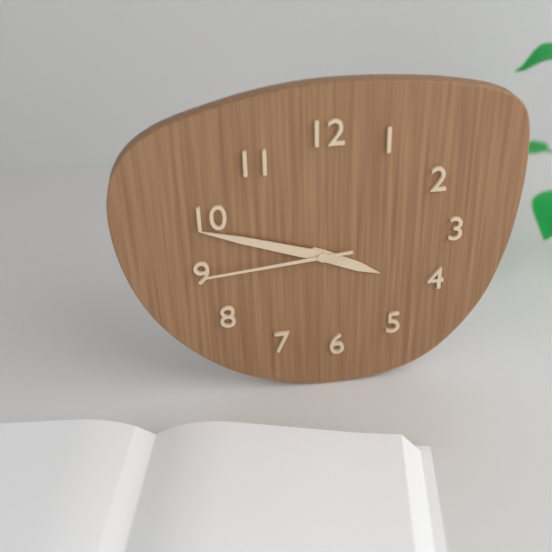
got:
h=3 m=48 s=44
